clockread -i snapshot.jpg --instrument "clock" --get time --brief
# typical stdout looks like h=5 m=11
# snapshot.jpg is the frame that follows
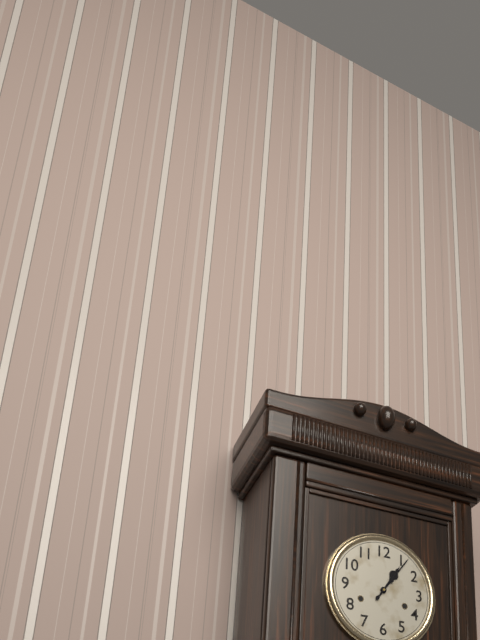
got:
h=1 m=6
